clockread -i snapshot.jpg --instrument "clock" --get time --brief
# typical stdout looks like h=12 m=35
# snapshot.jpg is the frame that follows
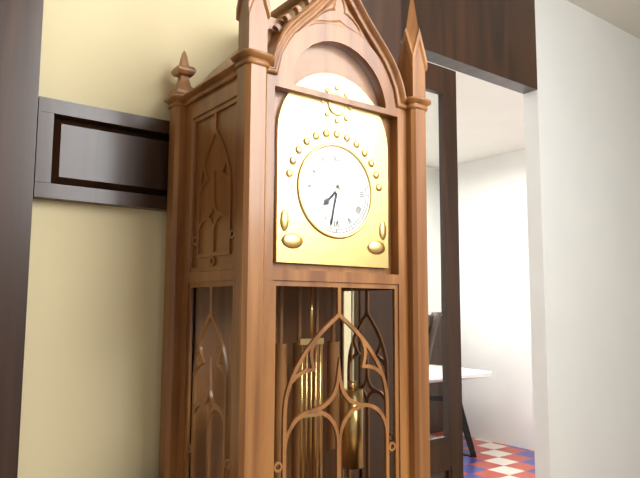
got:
h=7 m=32
